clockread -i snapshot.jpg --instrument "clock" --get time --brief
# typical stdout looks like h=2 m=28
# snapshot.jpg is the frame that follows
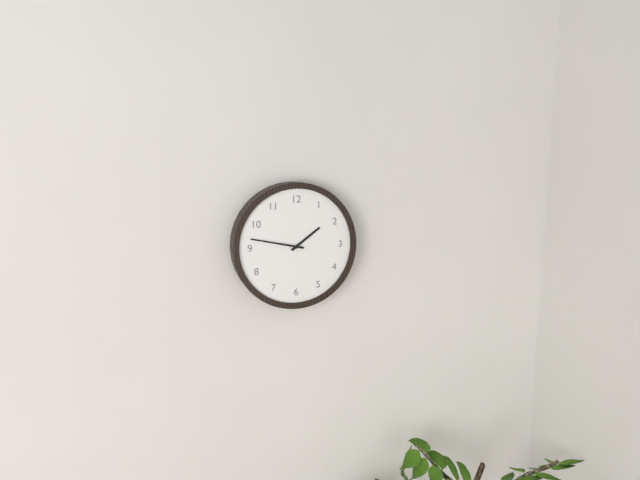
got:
h=1 m=47
